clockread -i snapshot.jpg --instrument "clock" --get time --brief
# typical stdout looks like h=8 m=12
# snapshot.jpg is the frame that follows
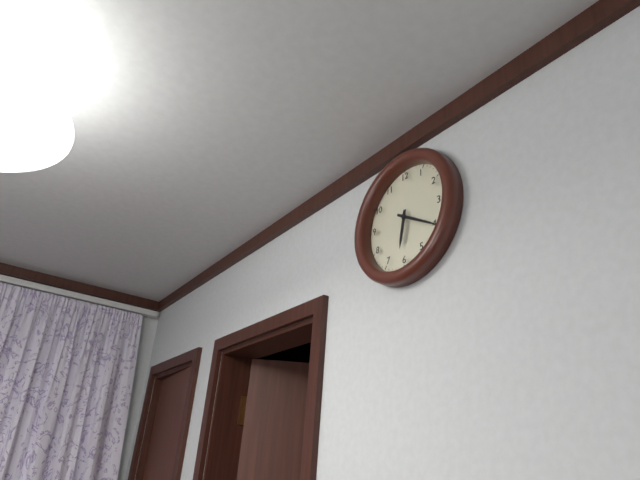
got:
h=6 m=20
